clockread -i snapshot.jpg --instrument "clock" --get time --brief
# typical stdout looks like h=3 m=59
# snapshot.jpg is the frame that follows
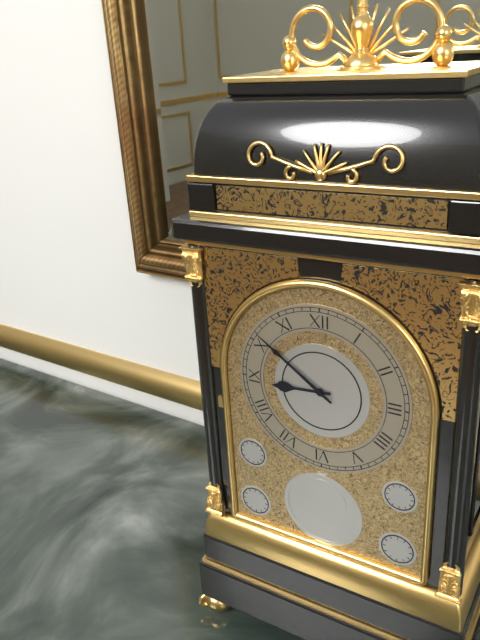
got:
h=8 m=51
